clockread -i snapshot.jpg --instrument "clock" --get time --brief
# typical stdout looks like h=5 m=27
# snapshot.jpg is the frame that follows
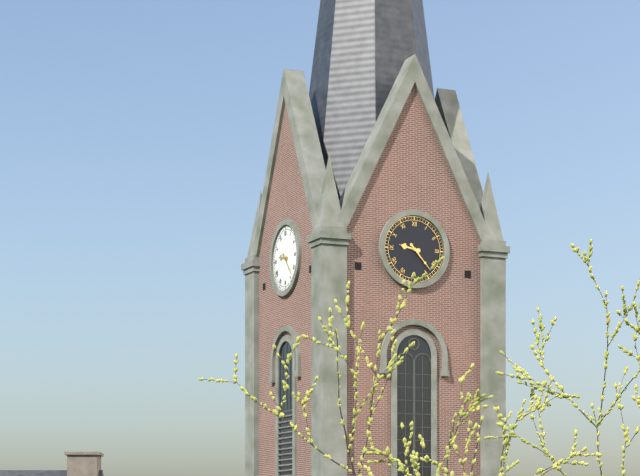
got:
h=9 m=23
